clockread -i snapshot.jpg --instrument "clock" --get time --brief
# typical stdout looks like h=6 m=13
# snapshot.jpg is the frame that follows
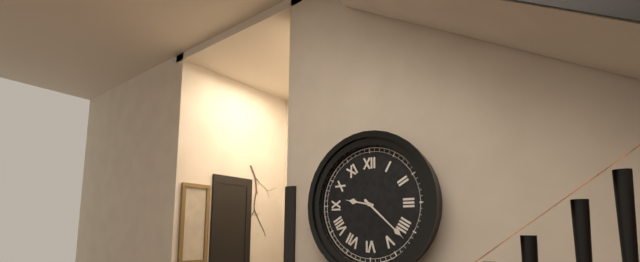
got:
h=9 m=22
